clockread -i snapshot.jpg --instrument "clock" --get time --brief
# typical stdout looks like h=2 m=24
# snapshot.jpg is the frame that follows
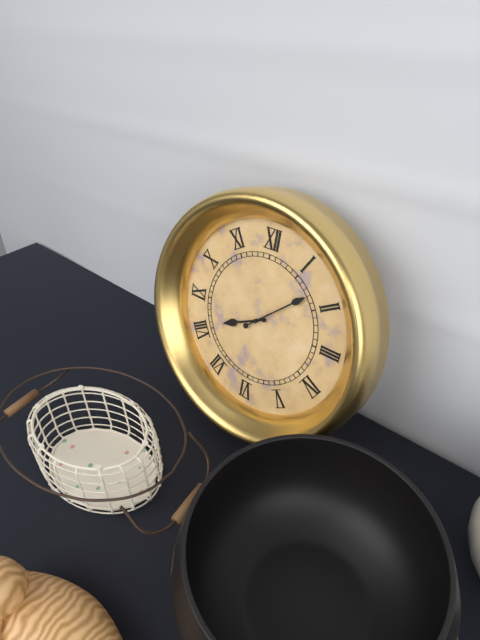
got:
h=8 m=8
